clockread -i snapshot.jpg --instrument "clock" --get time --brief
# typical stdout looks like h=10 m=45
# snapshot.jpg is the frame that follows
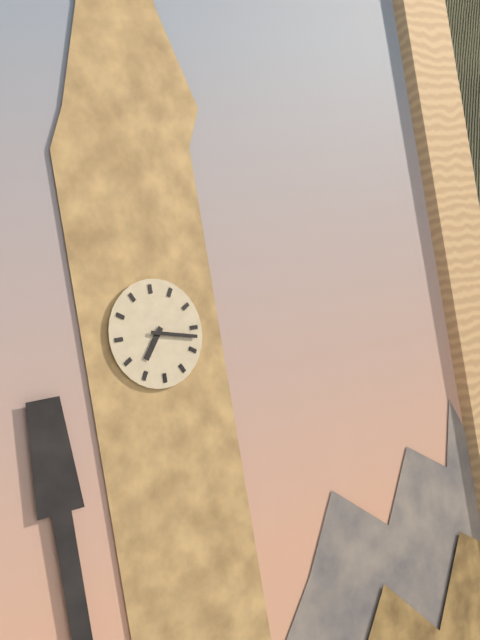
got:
h=7 m=17
